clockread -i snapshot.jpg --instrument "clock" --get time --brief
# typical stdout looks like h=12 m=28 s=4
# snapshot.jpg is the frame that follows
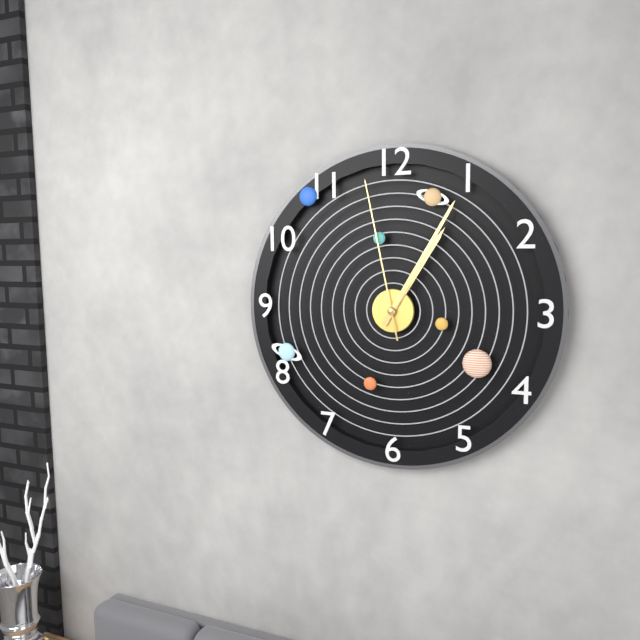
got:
h=1 m=5 s=58
